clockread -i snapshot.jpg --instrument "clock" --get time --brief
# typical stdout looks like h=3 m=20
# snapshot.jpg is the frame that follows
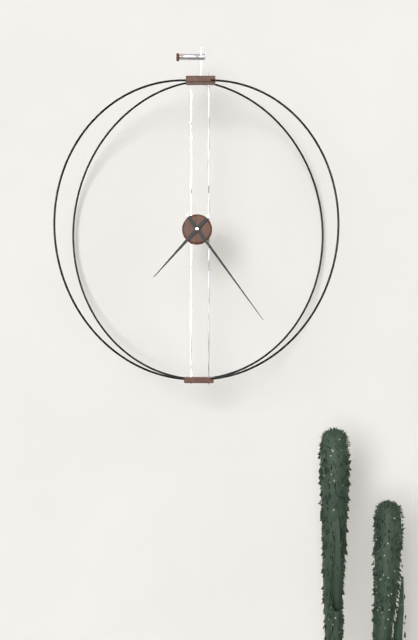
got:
h=7 m=24
